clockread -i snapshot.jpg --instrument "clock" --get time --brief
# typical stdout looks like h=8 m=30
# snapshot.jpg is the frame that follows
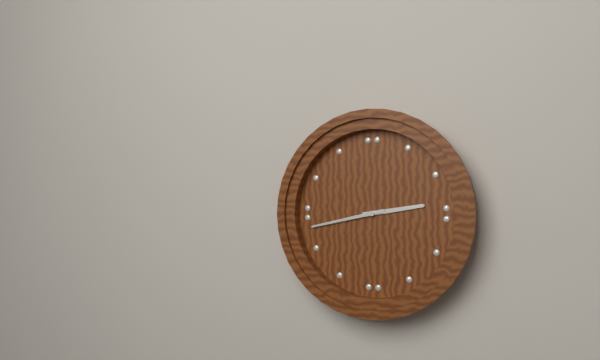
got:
h=2 m=43
